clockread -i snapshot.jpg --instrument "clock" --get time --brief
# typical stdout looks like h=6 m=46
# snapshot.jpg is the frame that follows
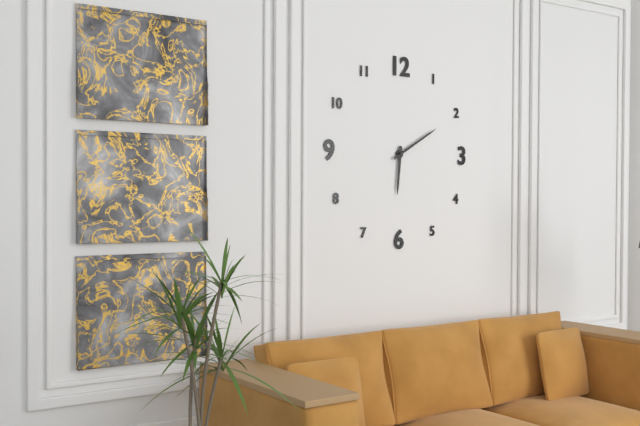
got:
h=6 m=10
